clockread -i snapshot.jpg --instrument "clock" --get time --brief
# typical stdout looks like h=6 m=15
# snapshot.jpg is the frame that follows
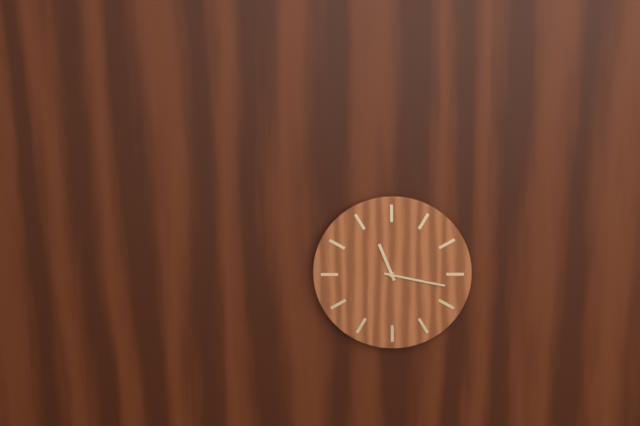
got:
h=11 m=17
